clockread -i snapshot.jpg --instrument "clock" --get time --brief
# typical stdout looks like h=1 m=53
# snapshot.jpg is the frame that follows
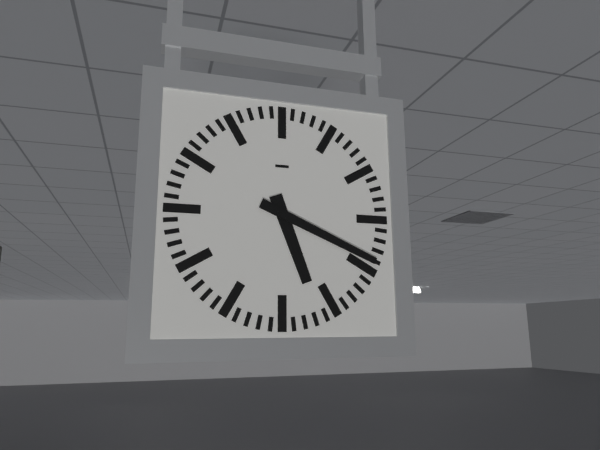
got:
h=5 m=19
